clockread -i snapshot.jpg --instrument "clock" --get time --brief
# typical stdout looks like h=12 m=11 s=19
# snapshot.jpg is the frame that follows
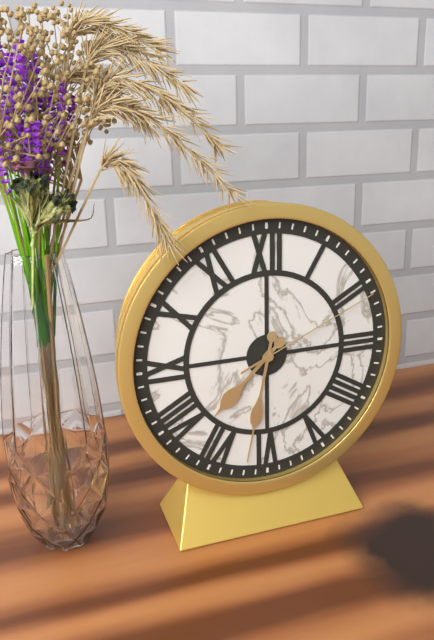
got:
h=7 m=32 s=11
